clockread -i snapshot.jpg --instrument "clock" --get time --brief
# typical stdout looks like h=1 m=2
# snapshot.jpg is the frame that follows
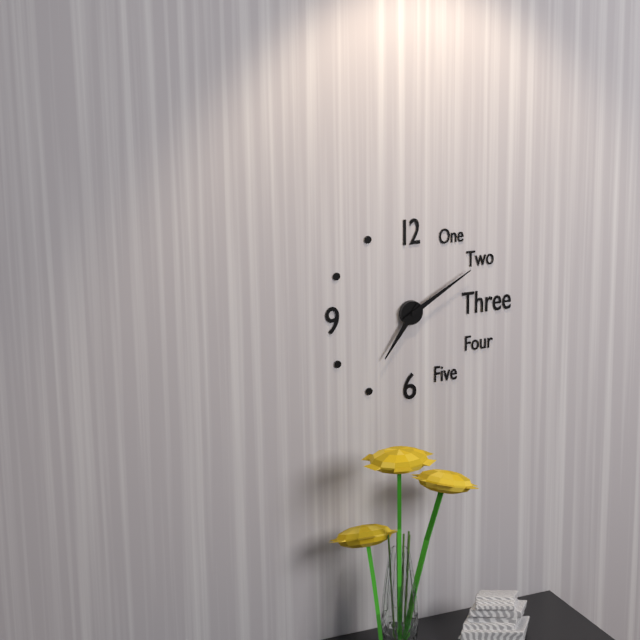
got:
h=7 m=10
